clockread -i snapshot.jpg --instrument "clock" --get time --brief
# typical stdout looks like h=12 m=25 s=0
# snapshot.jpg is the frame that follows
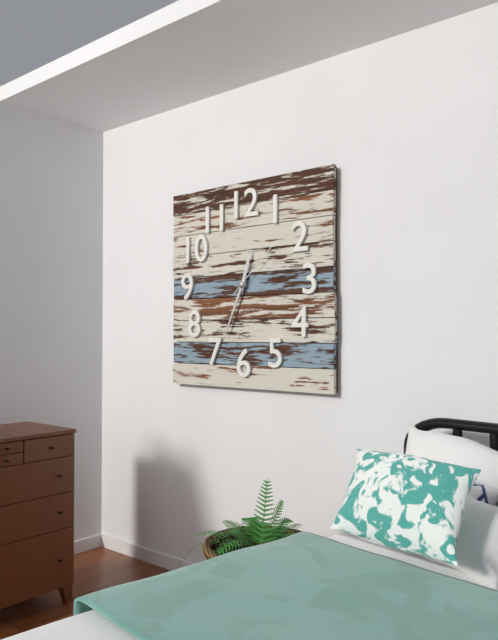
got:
h=12 m=34 s=8
